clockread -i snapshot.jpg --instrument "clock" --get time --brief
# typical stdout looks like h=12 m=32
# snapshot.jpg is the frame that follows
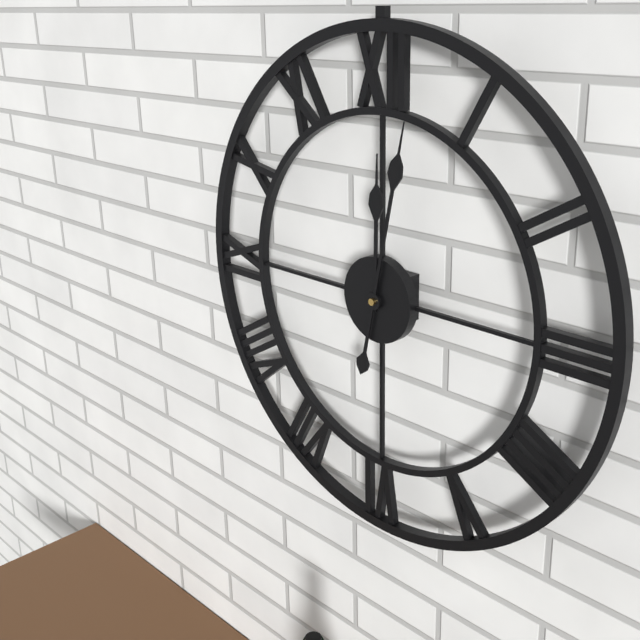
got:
h=12 m=2
